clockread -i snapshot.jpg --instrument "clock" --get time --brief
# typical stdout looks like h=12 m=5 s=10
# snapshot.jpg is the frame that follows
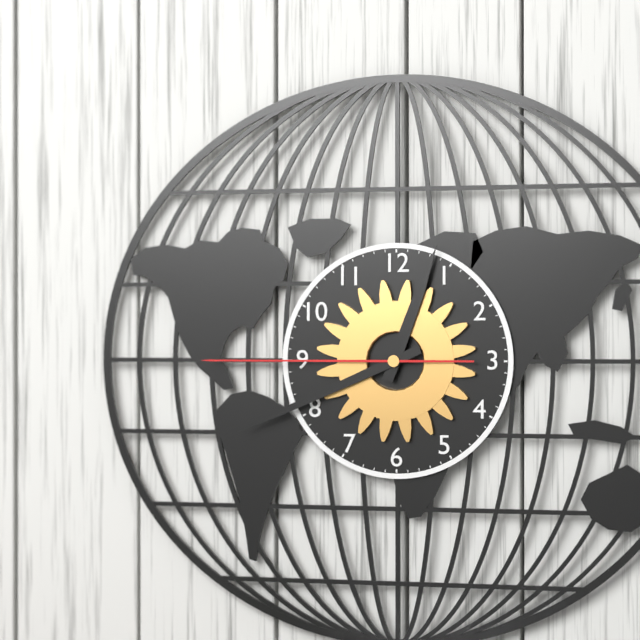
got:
h=12 m=41 s=45
